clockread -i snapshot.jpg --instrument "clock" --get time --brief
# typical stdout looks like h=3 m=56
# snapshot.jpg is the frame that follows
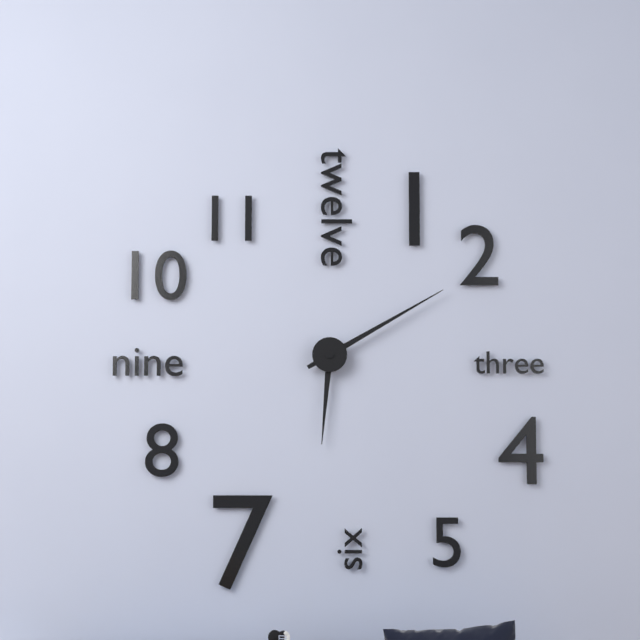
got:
h=6 m=10
